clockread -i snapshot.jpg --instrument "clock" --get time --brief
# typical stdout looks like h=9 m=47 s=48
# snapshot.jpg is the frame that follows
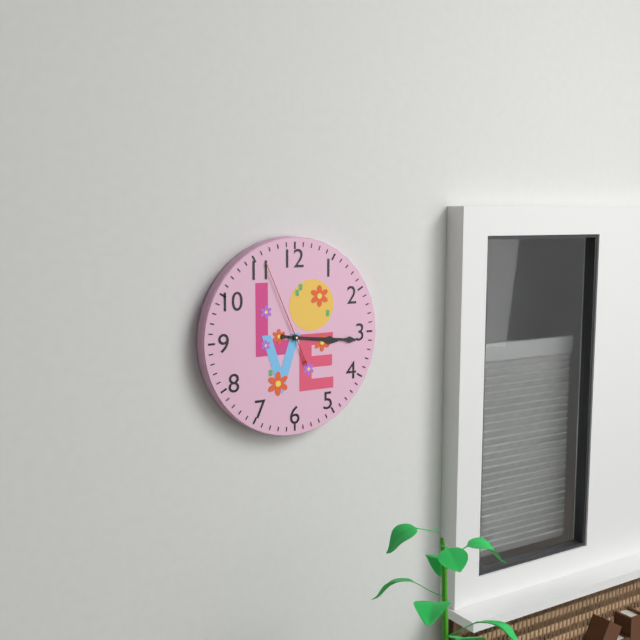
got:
h=3 m=16 s=56
